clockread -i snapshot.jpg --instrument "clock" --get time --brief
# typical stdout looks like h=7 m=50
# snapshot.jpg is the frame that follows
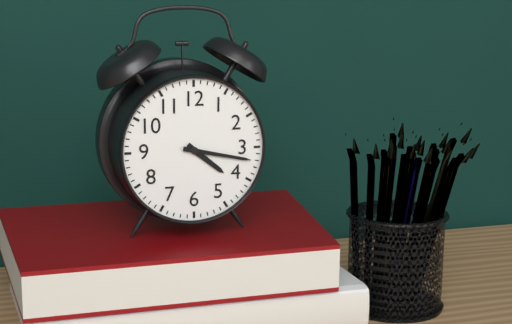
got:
h=4 m=17
